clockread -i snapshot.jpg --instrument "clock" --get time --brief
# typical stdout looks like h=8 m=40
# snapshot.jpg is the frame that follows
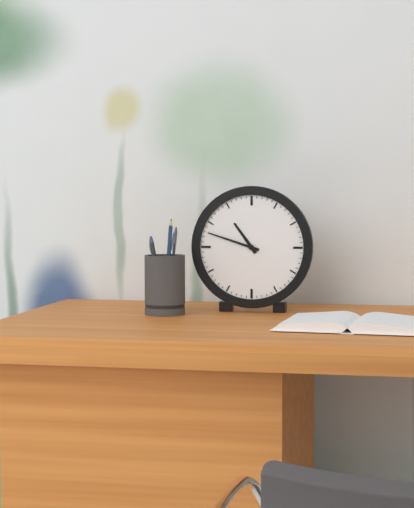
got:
h=10 m=48
